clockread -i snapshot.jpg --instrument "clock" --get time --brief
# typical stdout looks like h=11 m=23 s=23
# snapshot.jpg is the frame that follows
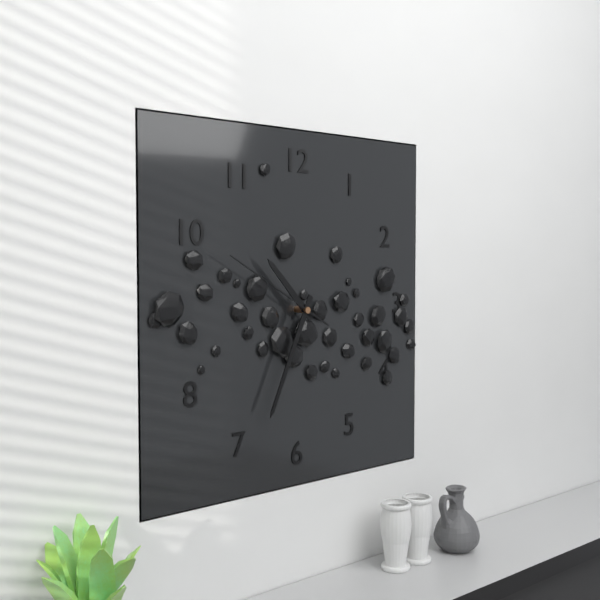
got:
h=10 m=34 s=50
